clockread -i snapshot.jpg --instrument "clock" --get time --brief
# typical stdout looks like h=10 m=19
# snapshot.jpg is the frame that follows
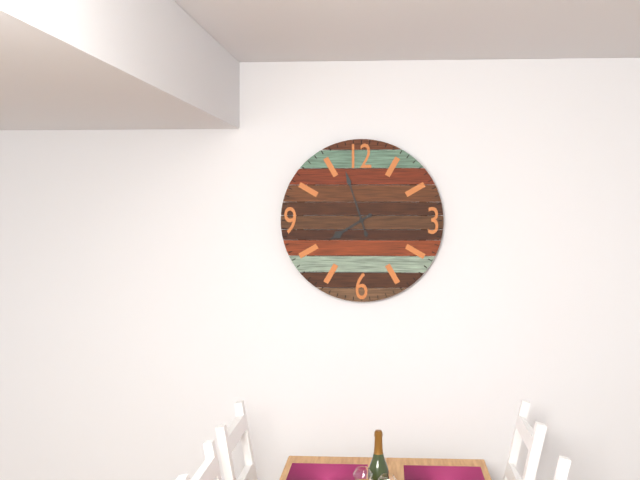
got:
h=7 m=57
